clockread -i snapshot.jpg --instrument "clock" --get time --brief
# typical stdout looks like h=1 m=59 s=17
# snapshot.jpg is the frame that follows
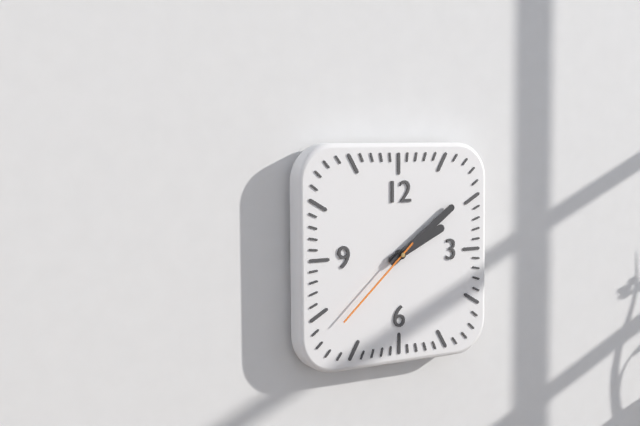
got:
h=2 m=9 s=38
